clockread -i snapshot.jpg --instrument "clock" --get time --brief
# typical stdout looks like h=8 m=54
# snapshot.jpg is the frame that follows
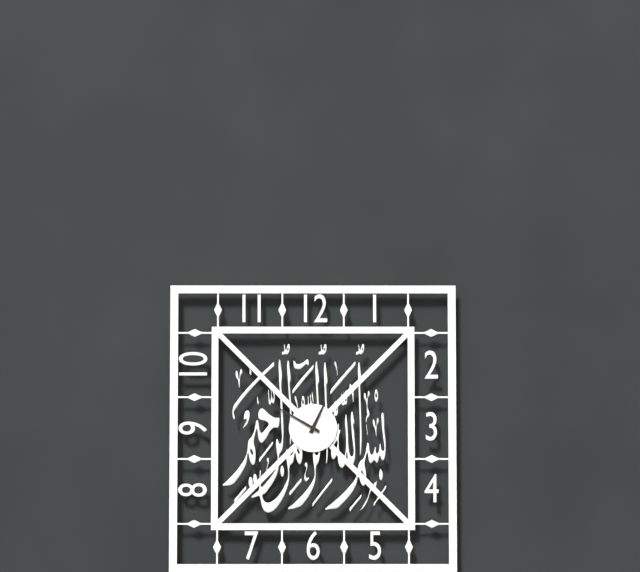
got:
h=12 m=50
